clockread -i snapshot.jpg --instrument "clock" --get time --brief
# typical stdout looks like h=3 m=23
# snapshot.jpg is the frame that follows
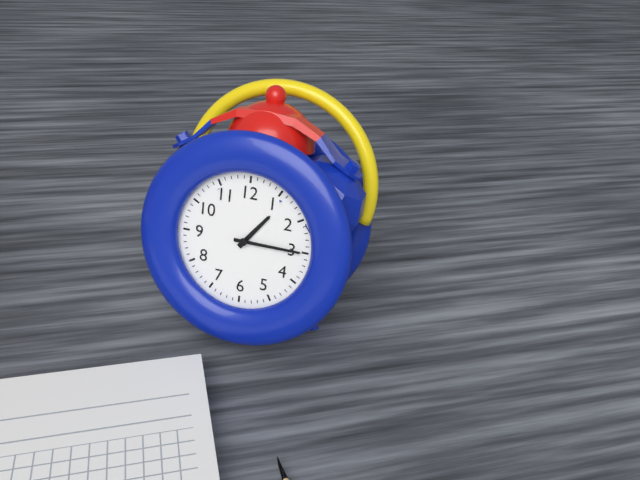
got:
h=1 m=15
